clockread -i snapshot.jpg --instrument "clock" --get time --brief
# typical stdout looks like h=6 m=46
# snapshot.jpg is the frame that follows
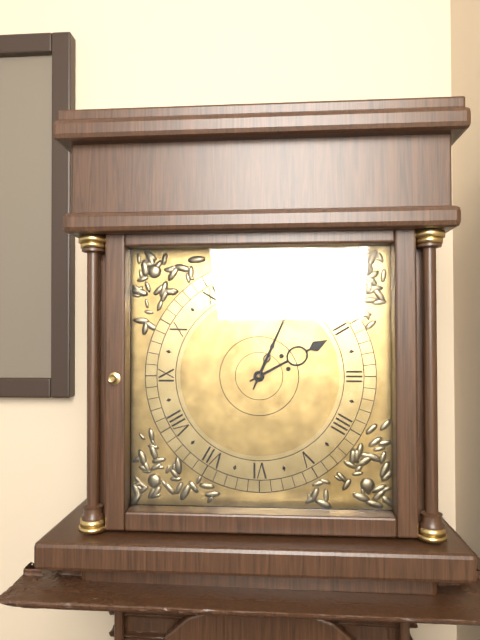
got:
h=2 m=4
